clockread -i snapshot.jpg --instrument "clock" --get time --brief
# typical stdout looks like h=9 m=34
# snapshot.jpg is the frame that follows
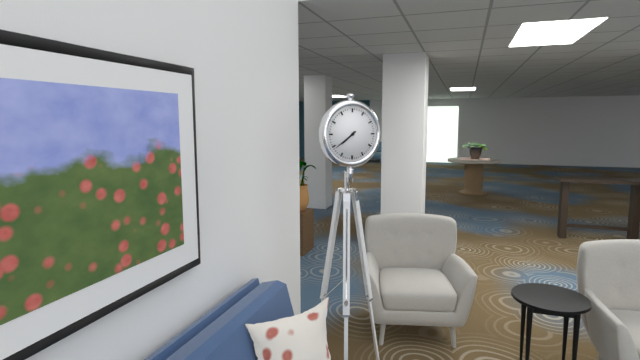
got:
h=7 m=39
